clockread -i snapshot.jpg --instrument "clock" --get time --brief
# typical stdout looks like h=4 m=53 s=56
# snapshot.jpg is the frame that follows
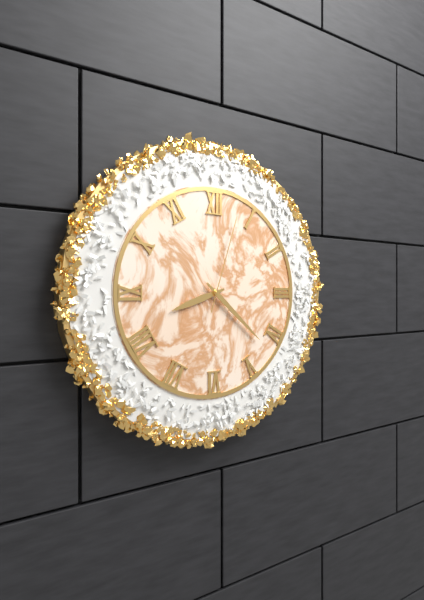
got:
h=8 m=22 s=3
